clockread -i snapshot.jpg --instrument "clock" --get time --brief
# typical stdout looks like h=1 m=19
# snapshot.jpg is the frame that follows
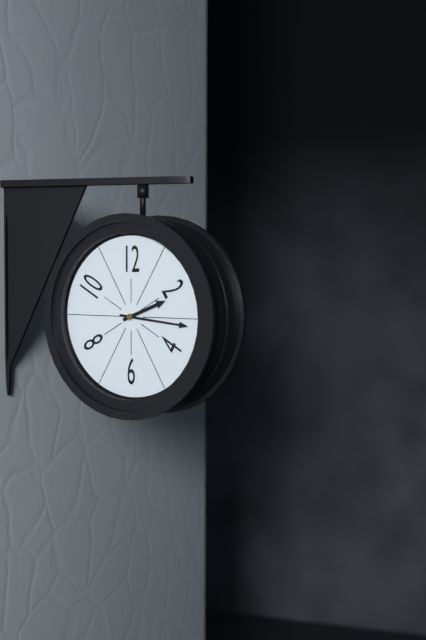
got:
h=2 m=16
